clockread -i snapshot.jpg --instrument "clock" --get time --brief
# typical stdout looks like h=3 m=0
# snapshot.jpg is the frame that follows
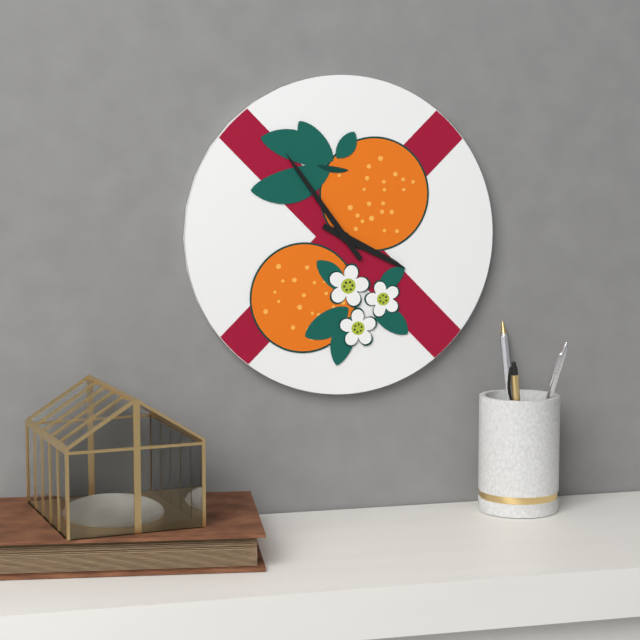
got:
h=3 m=54
